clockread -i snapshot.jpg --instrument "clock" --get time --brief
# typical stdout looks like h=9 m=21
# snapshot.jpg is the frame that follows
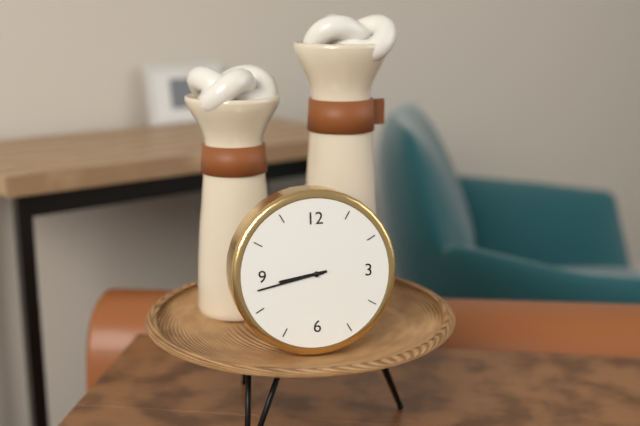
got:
h=8 m=43
